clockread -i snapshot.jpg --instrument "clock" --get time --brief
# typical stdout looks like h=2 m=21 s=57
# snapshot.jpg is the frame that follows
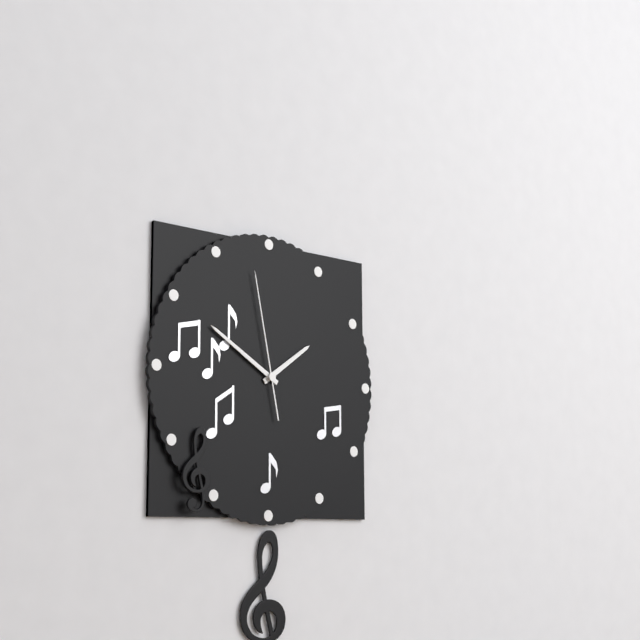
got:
h=1 m=50 s=58
